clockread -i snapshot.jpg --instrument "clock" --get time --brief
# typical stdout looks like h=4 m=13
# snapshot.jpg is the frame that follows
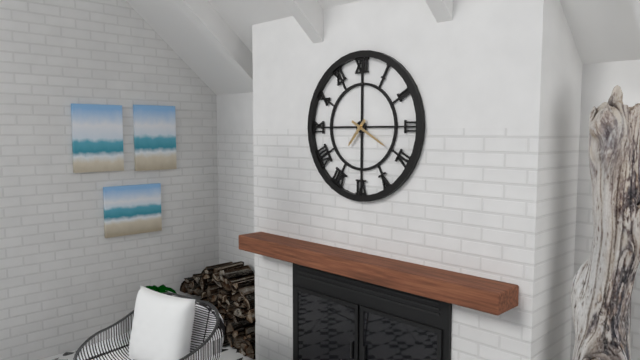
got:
h=7 m=20
